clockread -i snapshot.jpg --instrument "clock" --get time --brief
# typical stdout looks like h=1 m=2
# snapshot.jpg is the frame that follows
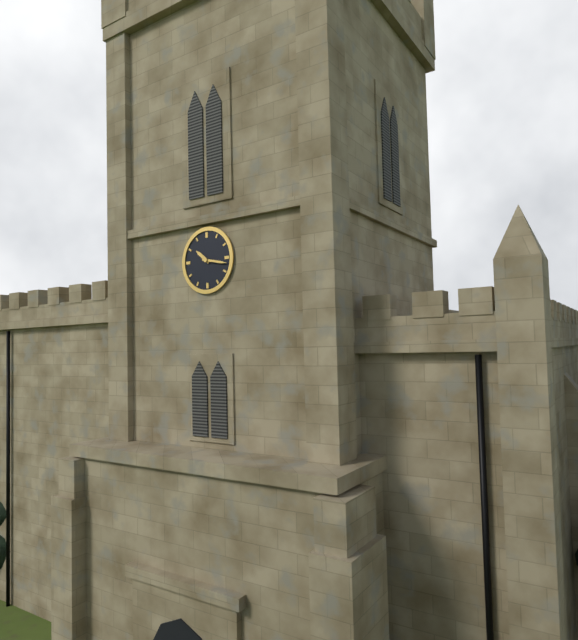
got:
h=10 m=17
